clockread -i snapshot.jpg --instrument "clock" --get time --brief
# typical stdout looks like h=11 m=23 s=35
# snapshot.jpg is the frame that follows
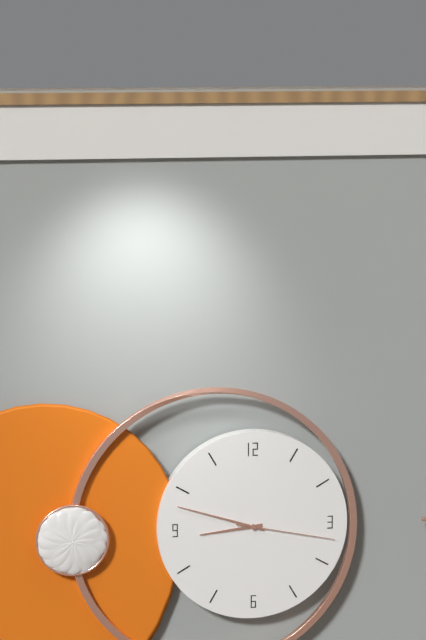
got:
h=8 m=48 s=17
